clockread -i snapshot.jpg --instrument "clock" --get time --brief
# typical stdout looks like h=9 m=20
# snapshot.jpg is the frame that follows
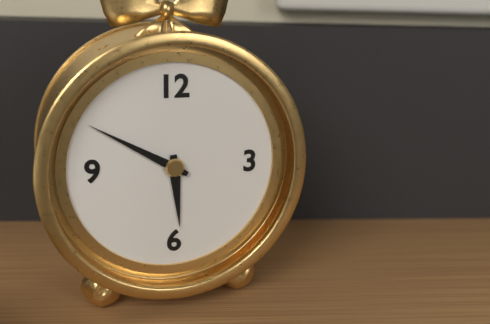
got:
h=5 m=50
